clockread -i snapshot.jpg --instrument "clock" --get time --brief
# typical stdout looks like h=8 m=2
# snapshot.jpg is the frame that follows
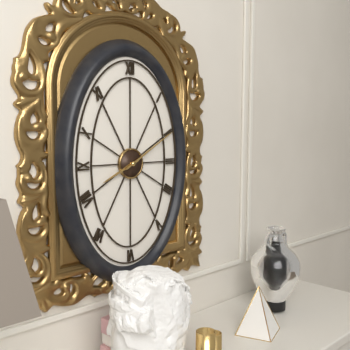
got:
h=8 m=10
